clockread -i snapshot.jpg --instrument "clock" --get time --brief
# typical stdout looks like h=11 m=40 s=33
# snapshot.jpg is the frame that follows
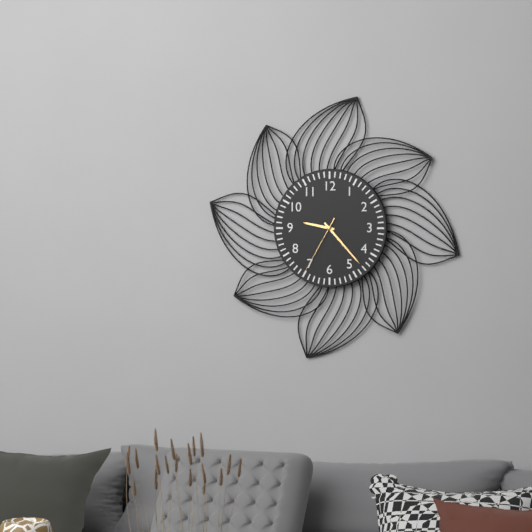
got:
h=9 m=23 s=35
